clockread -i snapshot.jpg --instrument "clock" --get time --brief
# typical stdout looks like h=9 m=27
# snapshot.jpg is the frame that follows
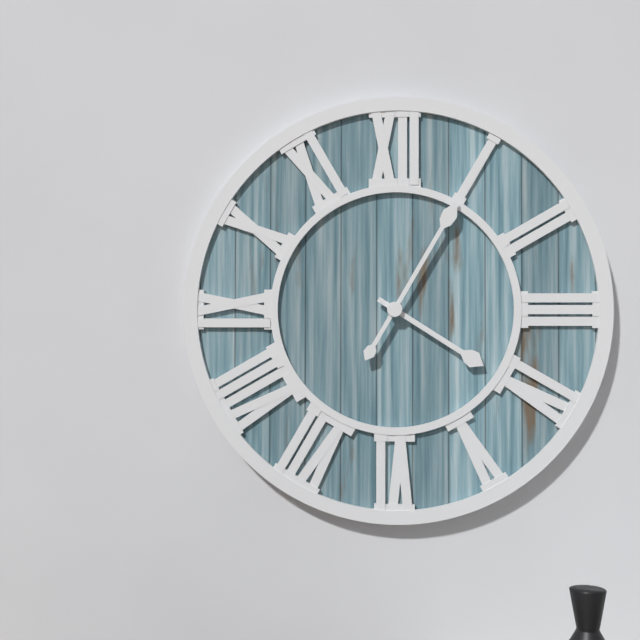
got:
h=4 m=5
